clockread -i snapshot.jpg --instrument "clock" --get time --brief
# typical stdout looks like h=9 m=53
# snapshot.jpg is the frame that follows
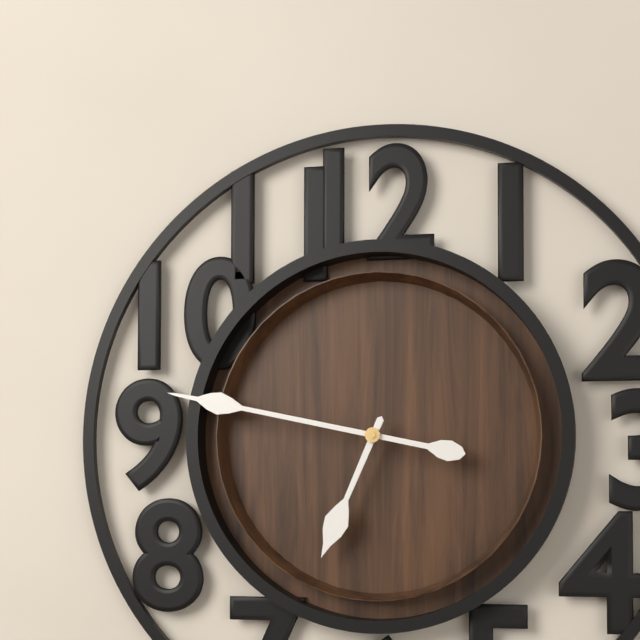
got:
h=6 m=47
